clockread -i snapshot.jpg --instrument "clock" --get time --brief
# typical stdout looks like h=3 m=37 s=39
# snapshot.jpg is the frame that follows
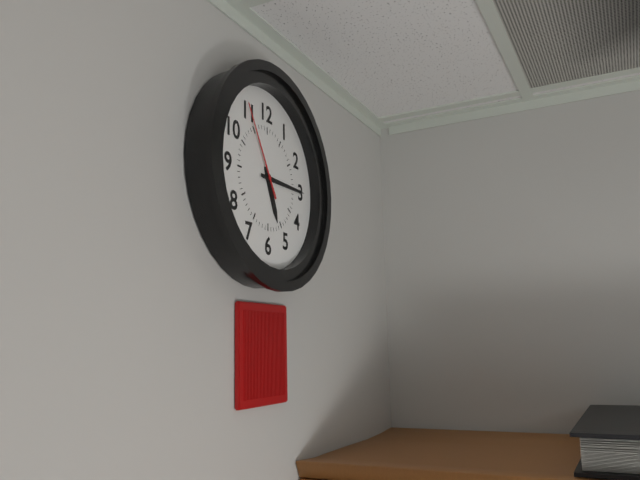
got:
h=5 m=15 s=55
